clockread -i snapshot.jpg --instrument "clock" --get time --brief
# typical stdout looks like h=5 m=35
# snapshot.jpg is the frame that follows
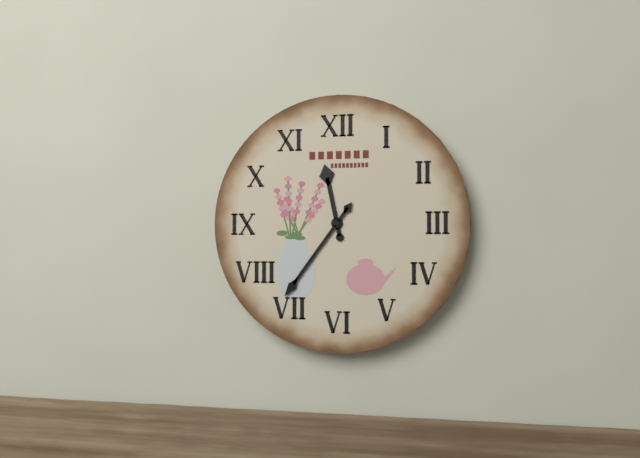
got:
h=11 m=36
